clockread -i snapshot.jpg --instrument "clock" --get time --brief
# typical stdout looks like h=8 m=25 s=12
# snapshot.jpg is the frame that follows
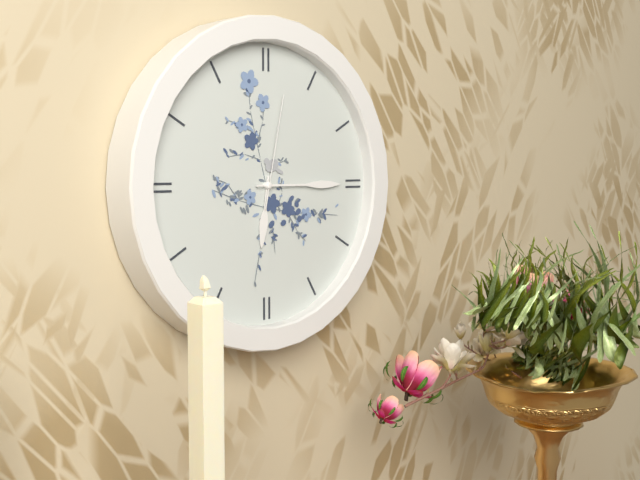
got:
h=6 m=15 s=2
